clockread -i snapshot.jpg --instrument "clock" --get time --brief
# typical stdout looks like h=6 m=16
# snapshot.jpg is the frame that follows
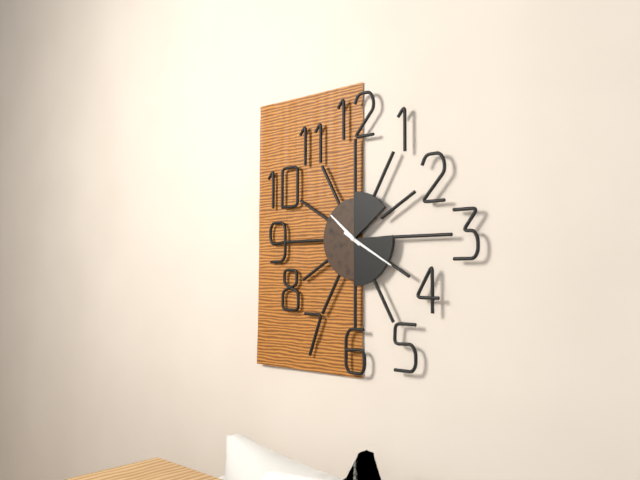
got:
h=10 m=20
